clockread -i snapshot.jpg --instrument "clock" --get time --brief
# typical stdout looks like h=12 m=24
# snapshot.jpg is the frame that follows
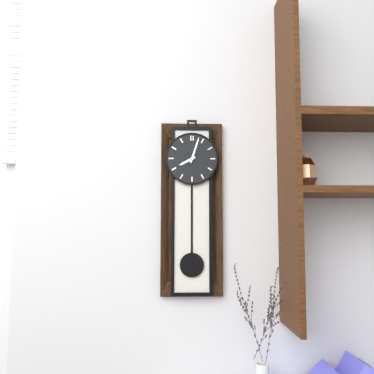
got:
h=8 m=3
